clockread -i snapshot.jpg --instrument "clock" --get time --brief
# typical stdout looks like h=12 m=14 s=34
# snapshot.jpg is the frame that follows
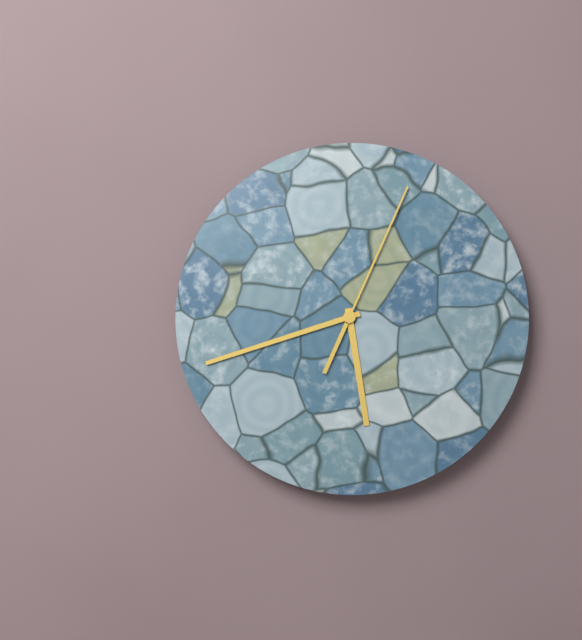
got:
h=5 m=42 s=4
